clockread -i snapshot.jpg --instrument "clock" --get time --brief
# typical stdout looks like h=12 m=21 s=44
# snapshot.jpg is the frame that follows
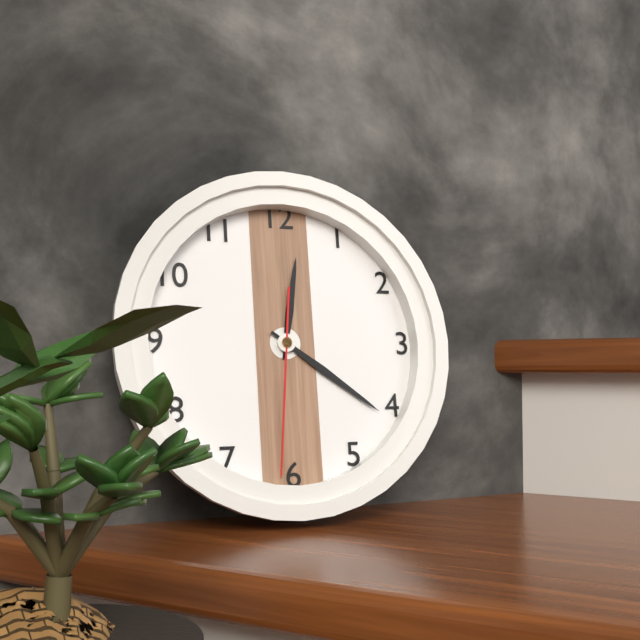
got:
h=12 m=21 s=31
